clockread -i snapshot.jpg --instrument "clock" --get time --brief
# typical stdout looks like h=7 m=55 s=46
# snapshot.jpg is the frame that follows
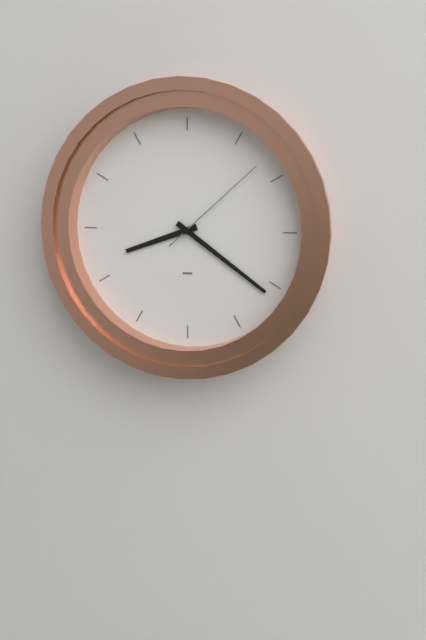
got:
h=8 m=21 s=8
